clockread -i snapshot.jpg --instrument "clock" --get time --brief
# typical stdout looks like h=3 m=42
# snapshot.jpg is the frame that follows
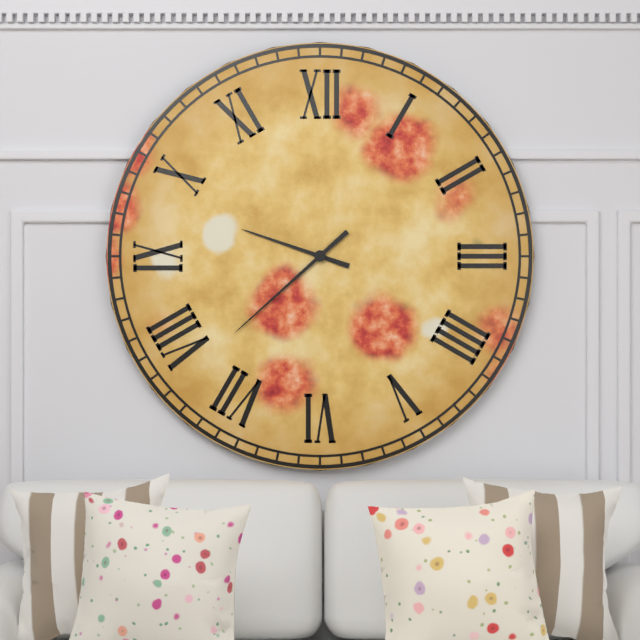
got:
h=9 m=38
